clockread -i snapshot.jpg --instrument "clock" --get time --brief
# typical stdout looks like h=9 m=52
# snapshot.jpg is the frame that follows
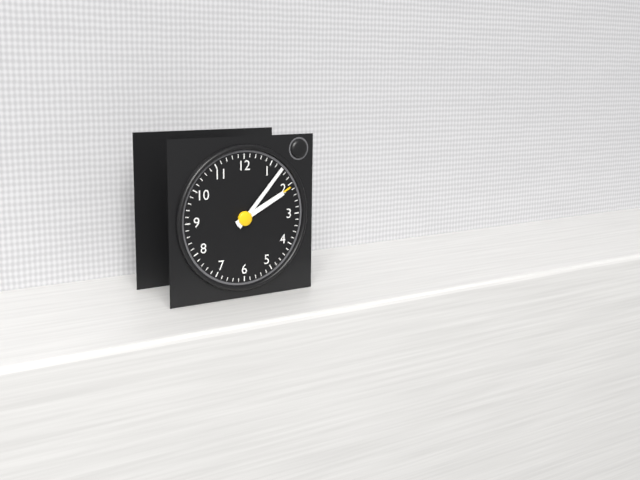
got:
h=2 m=7
